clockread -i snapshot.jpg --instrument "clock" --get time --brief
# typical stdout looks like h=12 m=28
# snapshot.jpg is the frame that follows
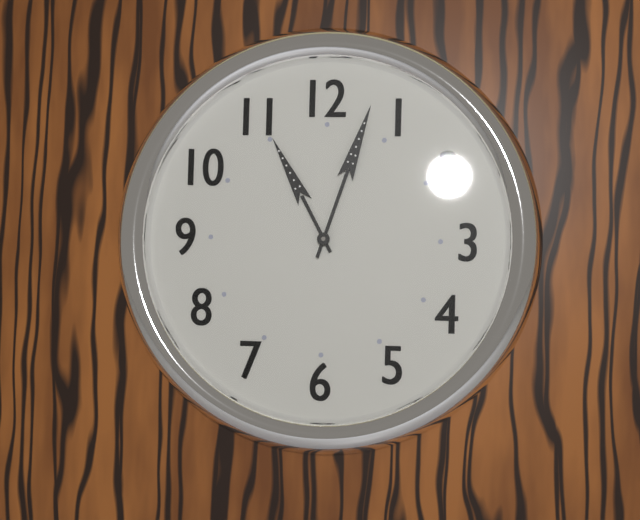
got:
h=11 m=3
